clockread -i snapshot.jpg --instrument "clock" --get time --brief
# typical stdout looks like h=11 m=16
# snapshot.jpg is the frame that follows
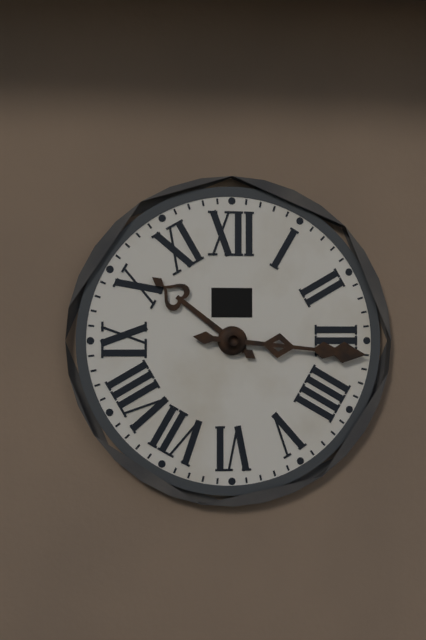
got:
h=10 m=16
